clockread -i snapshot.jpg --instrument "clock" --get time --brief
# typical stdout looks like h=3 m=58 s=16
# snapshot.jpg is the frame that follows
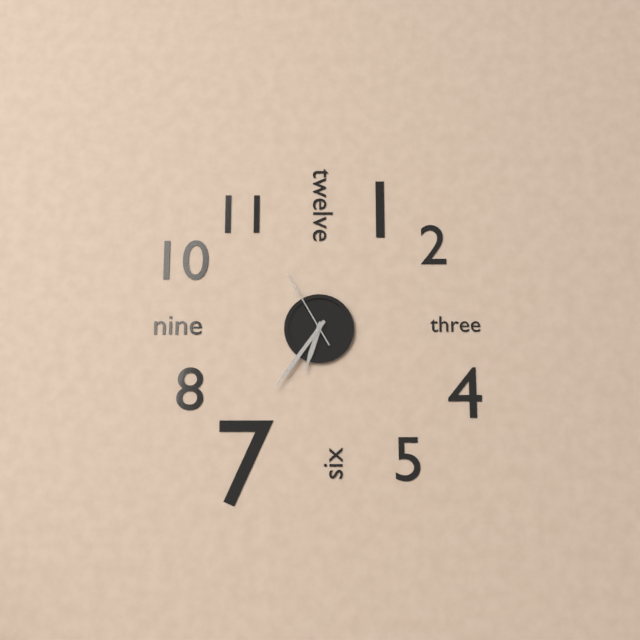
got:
h=6 m=36 s=55
